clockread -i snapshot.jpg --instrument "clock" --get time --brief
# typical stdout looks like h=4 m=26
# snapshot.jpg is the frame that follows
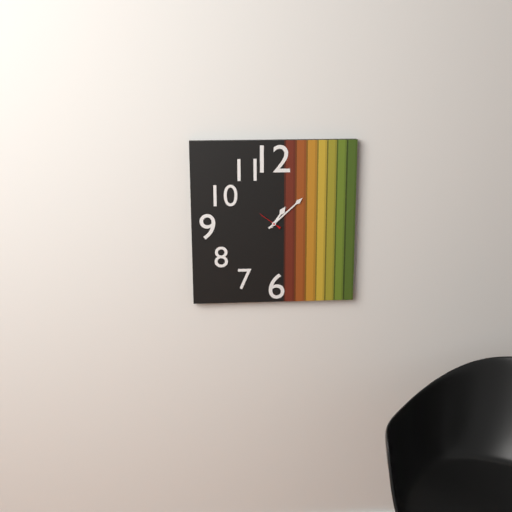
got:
h=1 m=8
